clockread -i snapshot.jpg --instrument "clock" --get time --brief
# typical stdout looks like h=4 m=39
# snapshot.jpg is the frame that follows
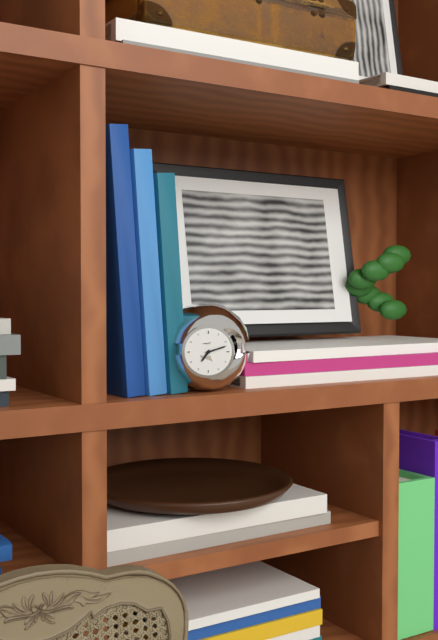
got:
h=7 m=12
